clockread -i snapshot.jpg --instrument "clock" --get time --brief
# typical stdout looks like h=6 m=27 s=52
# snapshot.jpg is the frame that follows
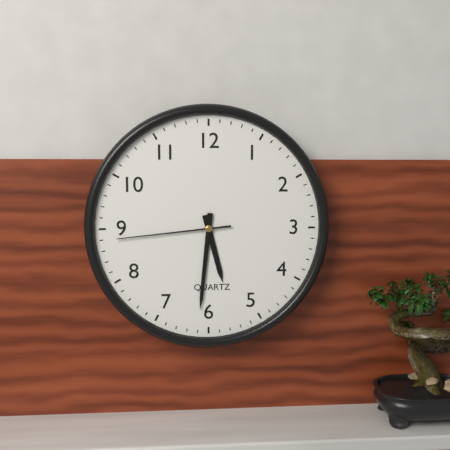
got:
h=5 m=31 s=44
